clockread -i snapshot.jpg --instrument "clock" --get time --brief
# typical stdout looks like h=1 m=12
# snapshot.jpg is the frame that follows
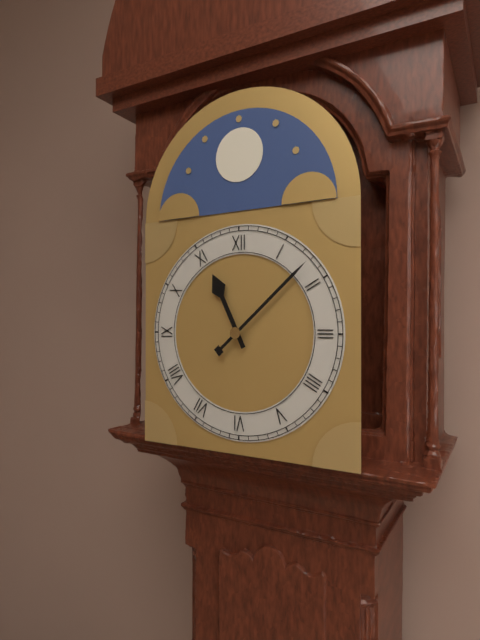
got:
h=11 m=8
